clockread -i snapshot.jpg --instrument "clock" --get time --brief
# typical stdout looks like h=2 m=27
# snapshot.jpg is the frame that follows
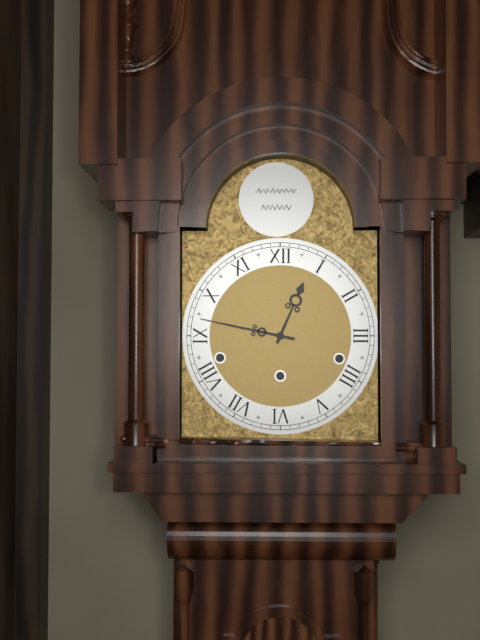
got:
h=12 m=47
